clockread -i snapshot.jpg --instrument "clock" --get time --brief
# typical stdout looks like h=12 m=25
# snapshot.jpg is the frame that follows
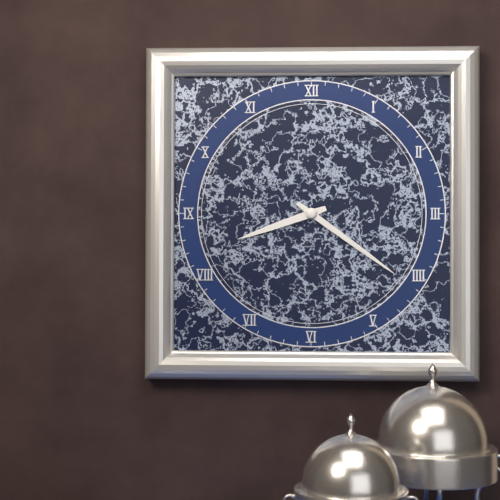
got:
h=8 m=21
